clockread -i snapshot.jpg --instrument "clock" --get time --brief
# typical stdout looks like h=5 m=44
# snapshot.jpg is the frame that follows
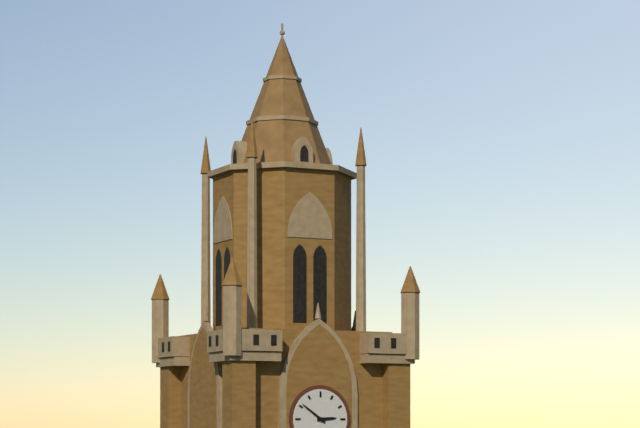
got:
h=2 m=51
